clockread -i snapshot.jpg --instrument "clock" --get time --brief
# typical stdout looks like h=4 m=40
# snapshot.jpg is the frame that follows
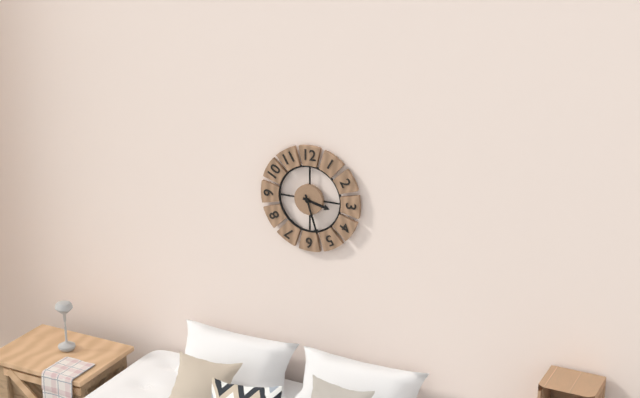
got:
h=3 m=27
